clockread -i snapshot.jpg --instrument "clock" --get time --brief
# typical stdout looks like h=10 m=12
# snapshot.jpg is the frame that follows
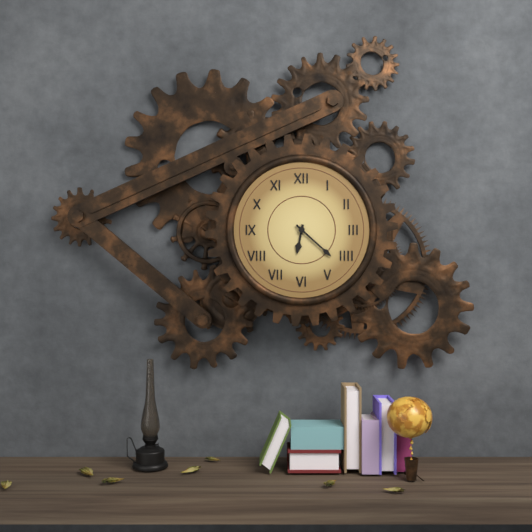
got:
h=6 m=22
